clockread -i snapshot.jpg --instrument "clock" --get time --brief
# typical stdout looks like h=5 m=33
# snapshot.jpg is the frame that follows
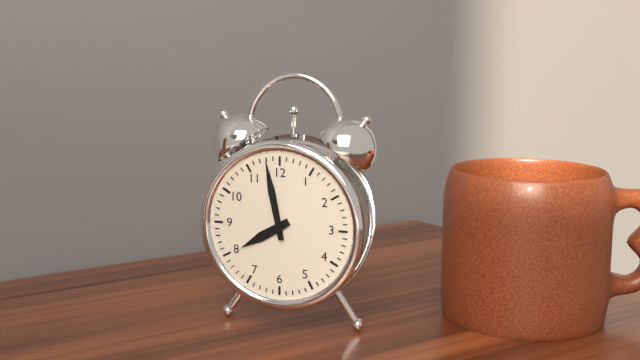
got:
h=7 m=58
